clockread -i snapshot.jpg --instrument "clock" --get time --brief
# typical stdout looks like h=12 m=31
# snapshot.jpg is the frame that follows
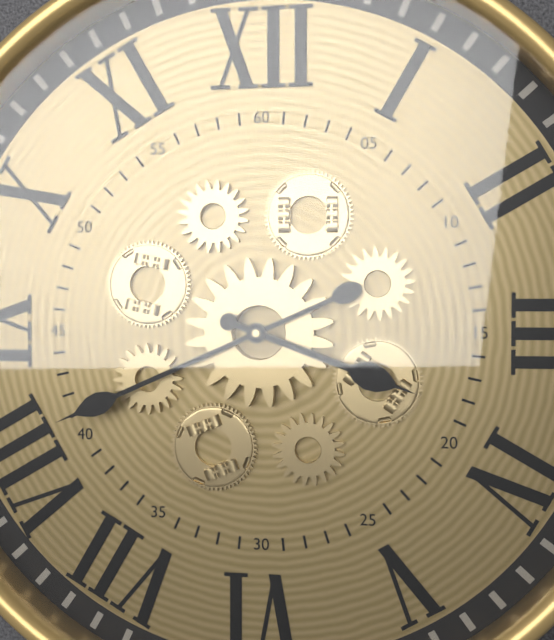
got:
h=3 m=41
